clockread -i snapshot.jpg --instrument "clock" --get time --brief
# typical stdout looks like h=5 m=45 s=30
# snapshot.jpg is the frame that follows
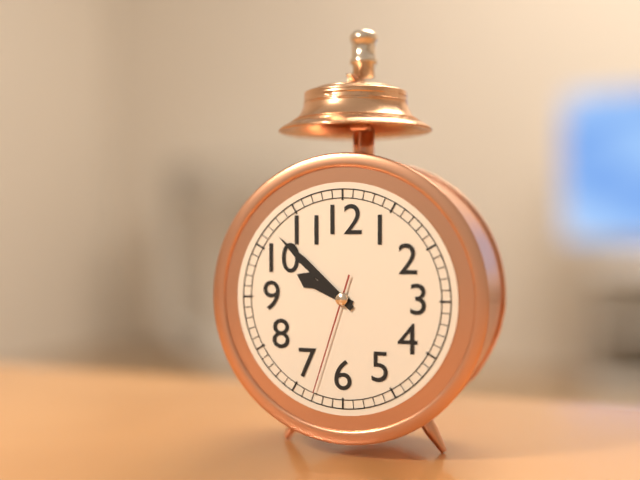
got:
h=9 m=52 s=33
